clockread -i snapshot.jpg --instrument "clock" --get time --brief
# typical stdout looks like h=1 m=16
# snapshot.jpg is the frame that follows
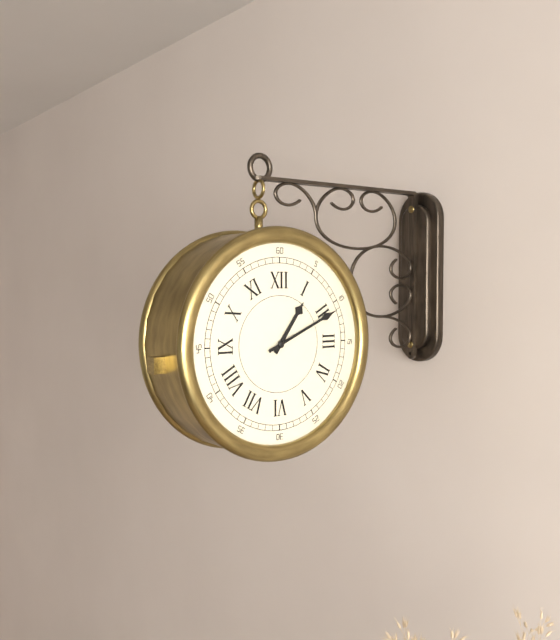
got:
h=1 m=11
